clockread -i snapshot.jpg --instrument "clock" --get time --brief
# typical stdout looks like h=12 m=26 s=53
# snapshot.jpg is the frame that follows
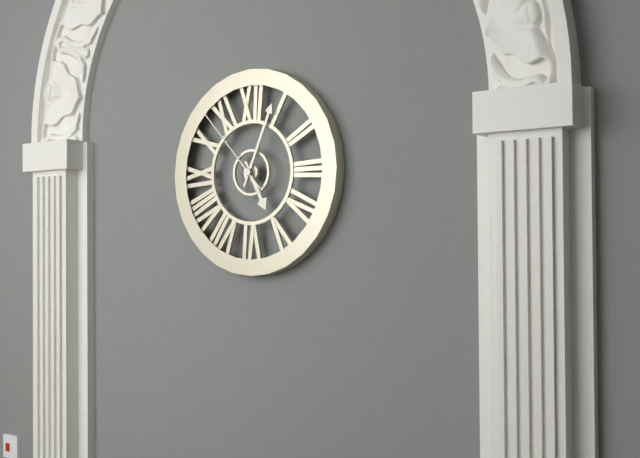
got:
h=5 m=4 s=53
